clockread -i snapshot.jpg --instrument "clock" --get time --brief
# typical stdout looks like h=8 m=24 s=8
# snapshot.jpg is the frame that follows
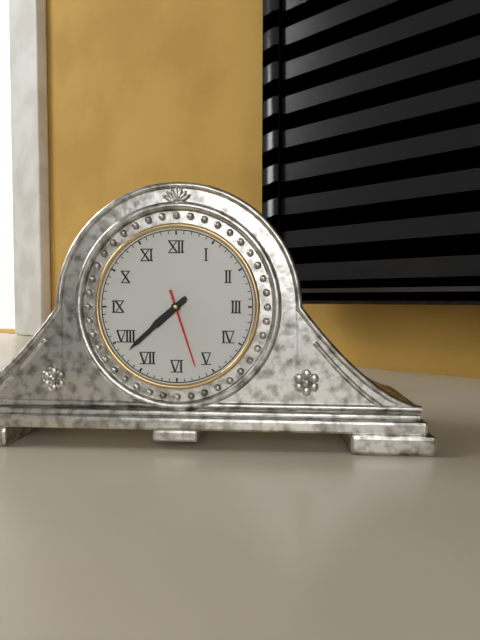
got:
h=7 m=38 s=27
